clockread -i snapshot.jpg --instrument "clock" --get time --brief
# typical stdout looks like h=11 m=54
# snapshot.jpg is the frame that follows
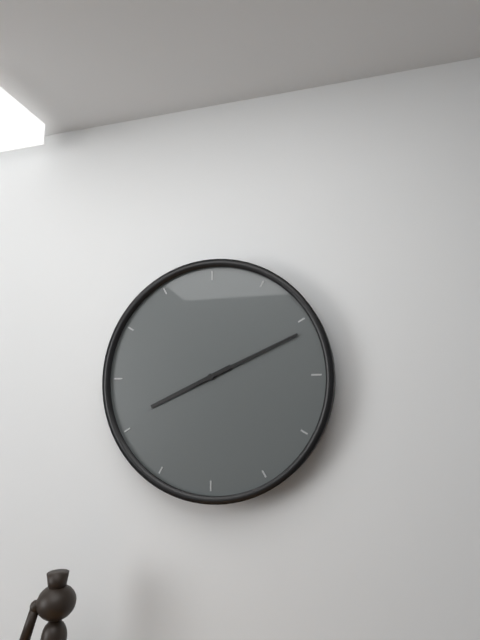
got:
h=8 m=11
